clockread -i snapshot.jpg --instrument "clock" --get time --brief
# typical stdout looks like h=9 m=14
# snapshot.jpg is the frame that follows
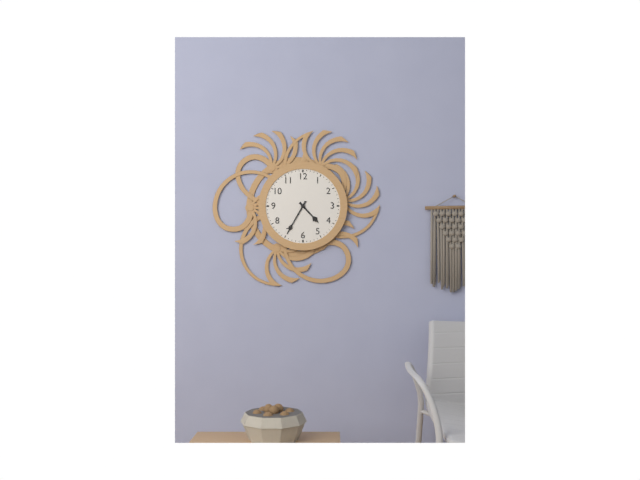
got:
h=4 m=35
